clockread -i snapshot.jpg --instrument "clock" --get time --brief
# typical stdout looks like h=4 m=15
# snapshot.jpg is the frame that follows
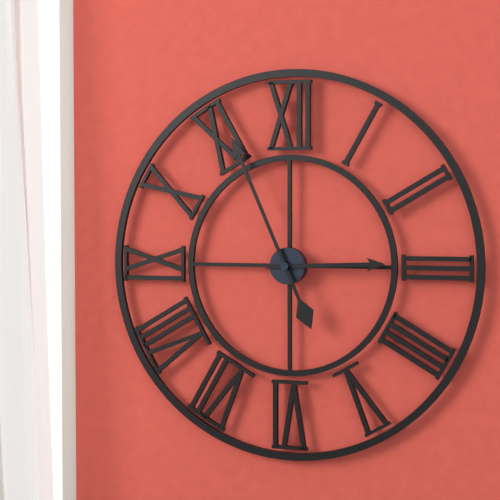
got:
h=2 m=56
